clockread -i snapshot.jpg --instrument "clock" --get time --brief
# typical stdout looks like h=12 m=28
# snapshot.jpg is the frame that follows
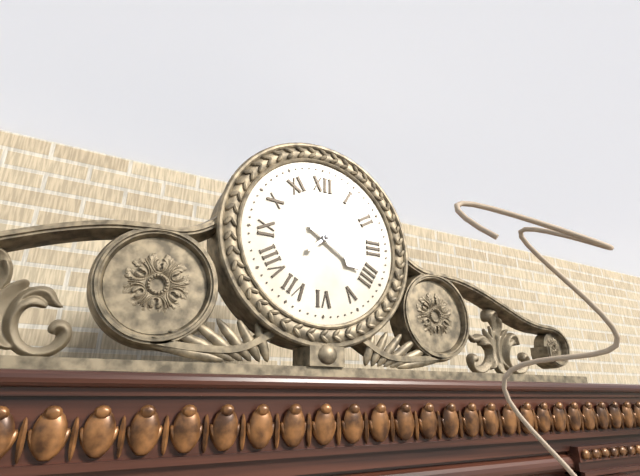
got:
h=4 m=8
